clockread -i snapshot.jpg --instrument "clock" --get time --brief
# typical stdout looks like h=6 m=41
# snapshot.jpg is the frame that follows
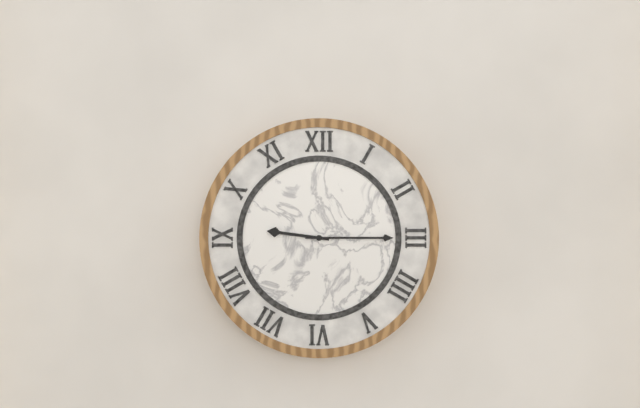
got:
h=9 m=15
